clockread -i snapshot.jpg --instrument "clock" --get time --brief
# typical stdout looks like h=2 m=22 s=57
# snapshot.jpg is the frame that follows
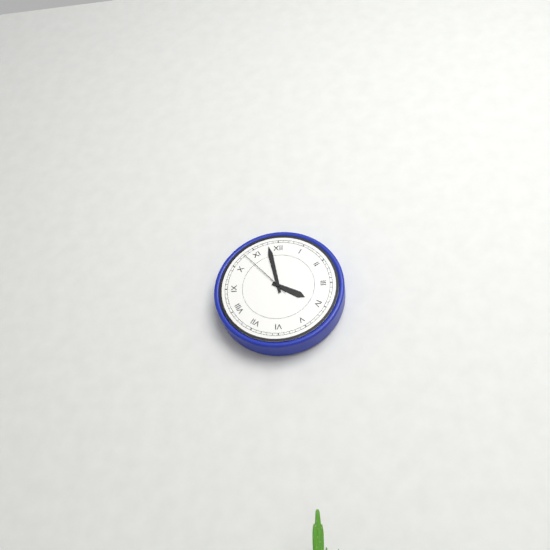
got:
h=3 m=58 s=53
